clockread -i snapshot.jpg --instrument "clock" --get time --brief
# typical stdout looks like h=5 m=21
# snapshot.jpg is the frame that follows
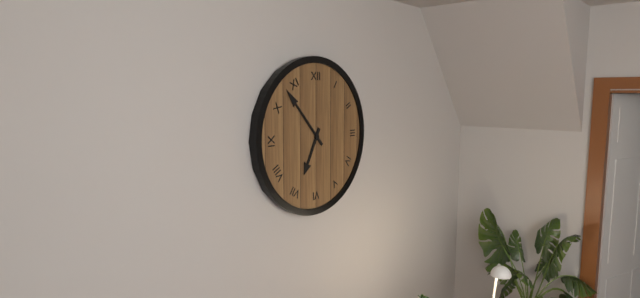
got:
h=6 m=53
